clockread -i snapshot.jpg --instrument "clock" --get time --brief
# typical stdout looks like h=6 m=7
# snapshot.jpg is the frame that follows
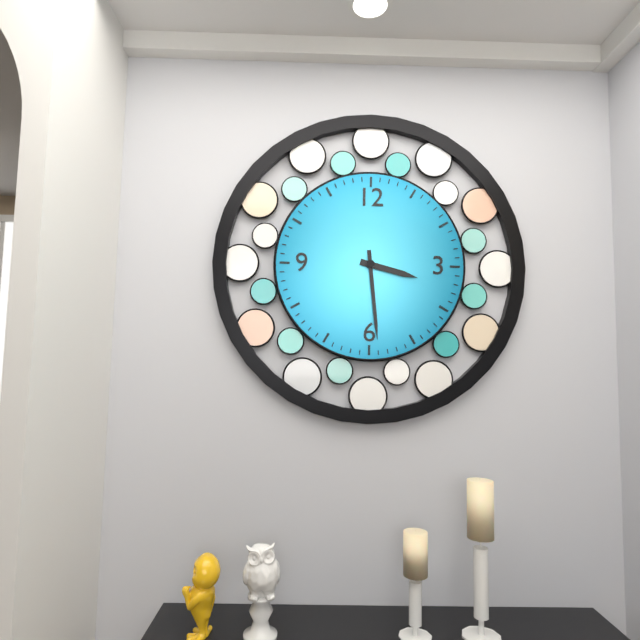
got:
h=3 m=29
